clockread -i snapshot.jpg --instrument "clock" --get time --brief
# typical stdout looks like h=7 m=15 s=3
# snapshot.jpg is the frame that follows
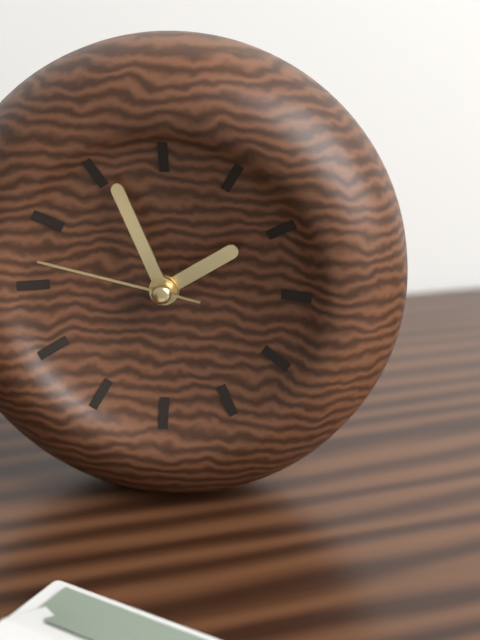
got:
h=1 m=56 s=47
